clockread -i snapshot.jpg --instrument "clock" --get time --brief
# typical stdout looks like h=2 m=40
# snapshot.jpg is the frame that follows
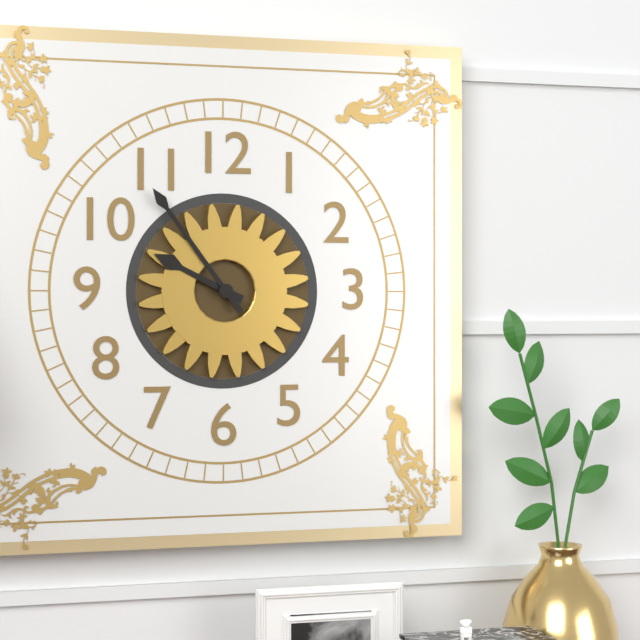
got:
h=9 m=54
